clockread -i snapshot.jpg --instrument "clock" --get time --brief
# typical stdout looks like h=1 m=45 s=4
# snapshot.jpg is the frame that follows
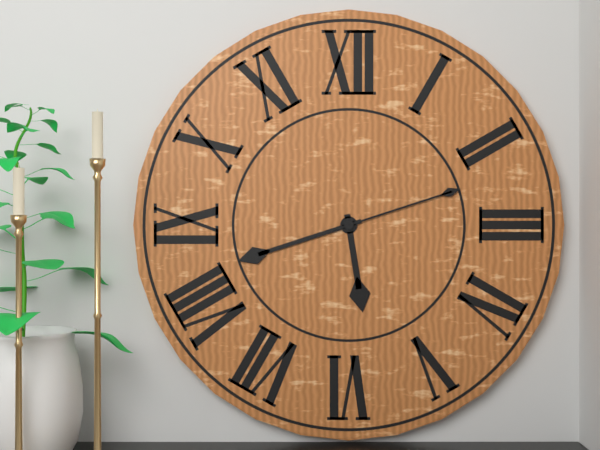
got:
h=5 m=42 s=12
